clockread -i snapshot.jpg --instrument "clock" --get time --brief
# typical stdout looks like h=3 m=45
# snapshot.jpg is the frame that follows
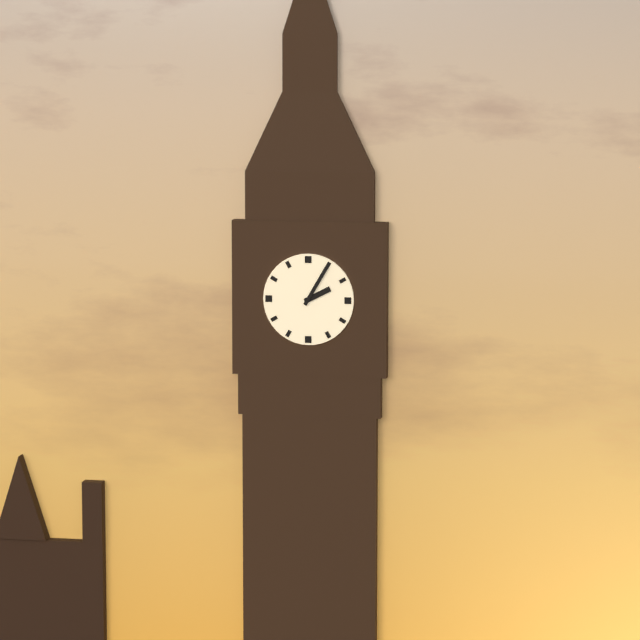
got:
h=2 m=5
